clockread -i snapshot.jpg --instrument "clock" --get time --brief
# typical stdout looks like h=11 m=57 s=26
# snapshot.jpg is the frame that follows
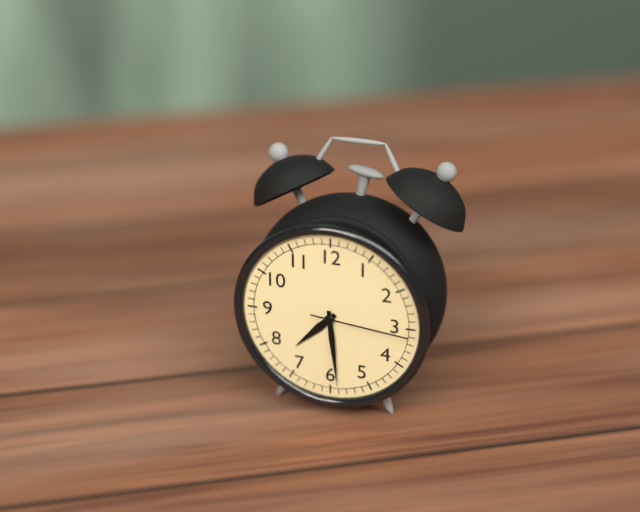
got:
h=7 m=29 s=16
